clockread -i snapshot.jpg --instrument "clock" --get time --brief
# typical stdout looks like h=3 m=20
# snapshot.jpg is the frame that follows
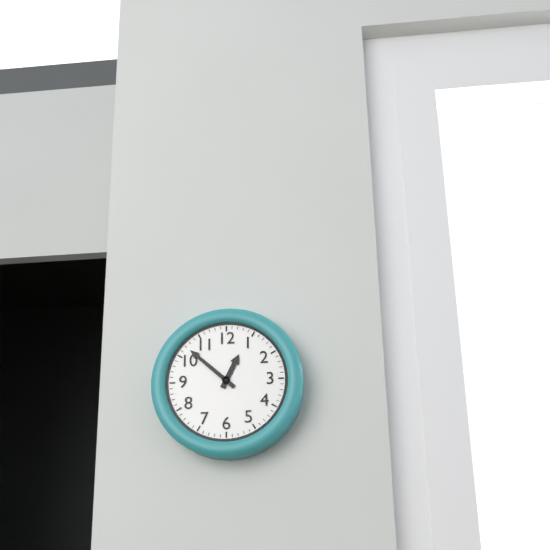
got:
h=12 m=52
